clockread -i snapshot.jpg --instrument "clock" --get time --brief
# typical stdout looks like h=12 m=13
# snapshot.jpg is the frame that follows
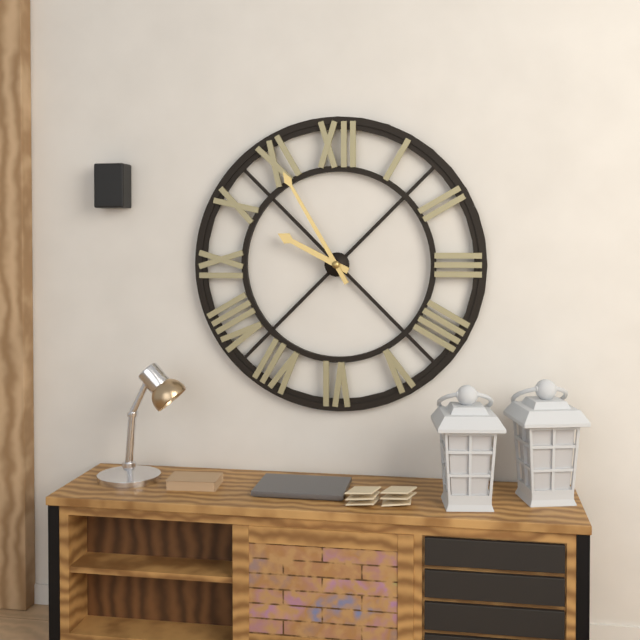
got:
h=9 m=55
